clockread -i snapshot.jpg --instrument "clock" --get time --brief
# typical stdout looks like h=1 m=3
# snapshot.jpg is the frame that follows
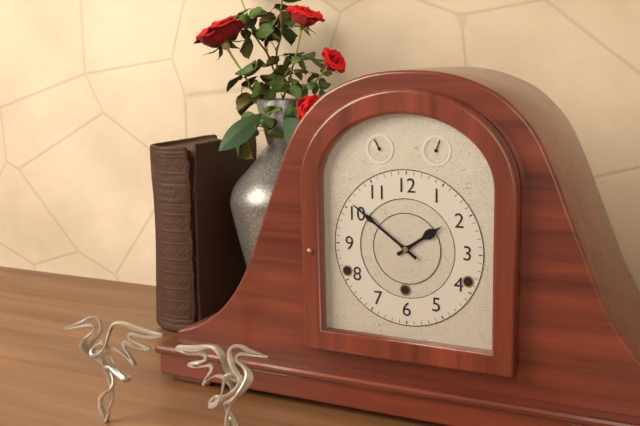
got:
h=1 m=51
